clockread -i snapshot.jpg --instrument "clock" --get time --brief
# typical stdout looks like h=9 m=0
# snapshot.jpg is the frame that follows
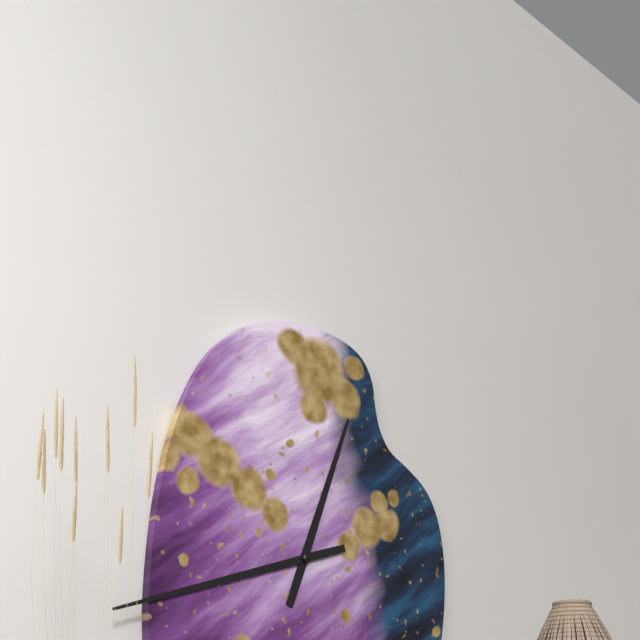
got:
h=12 m=42
